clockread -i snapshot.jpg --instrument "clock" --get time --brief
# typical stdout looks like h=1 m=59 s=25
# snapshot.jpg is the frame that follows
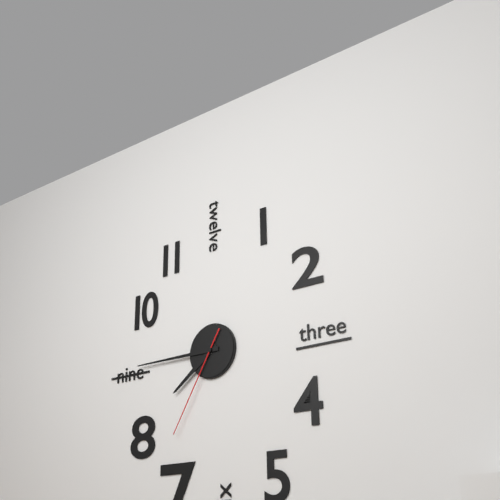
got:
h=7 m=45 s=35
